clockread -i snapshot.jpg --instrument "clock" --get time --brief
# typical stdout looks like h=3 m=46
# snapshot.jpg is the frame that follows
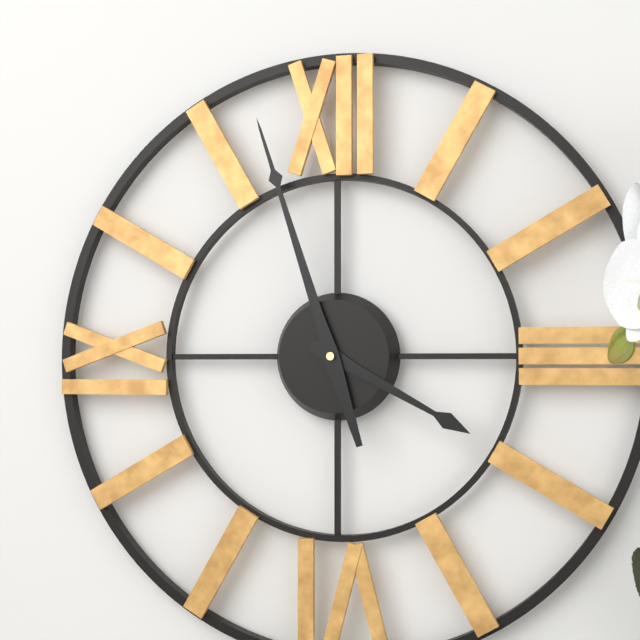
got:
h=3 m=57
